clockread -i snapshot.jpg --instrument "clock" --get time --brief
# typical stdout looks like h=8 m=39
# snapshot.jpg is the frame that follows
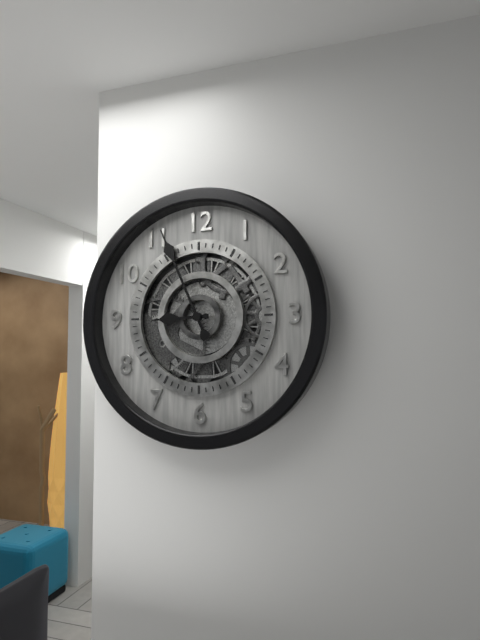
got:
h=8 m=56
